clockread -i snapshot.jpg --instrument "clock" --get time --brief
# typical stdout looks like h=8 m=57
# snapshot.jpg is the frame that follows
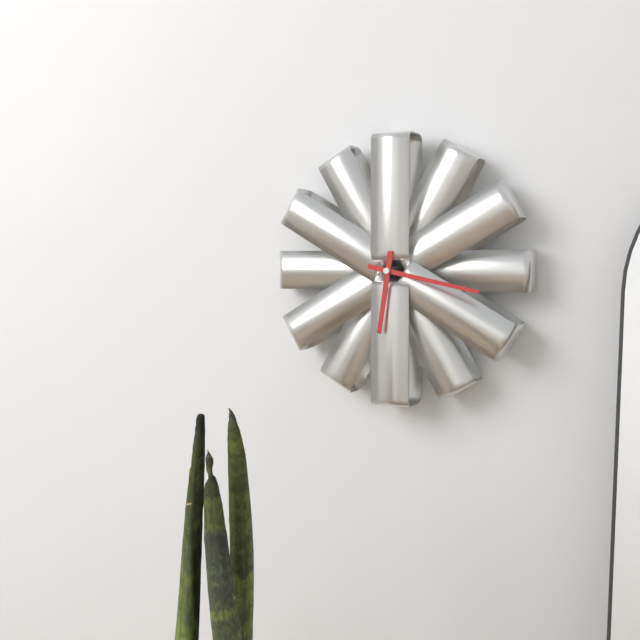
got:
h=6 m=17
